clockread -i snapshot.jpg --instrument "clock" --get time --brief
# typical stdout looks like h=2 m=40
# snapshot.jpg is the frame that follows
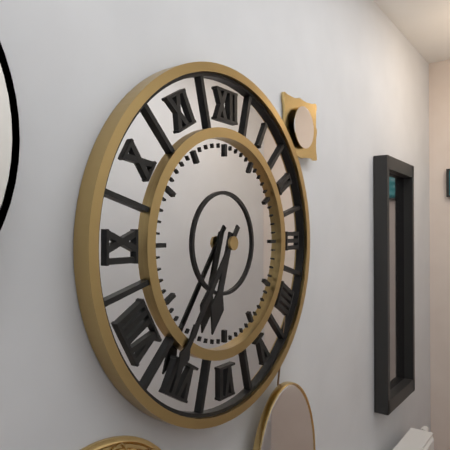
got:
h=6 m=36
